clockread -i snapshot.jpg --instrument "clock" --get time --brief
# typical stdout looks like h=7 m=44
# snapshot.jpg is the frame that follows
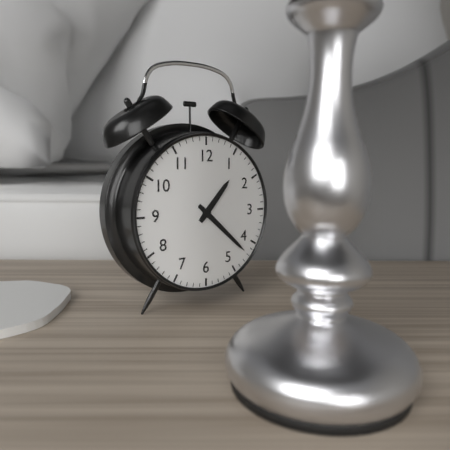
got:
h=1 m=22
